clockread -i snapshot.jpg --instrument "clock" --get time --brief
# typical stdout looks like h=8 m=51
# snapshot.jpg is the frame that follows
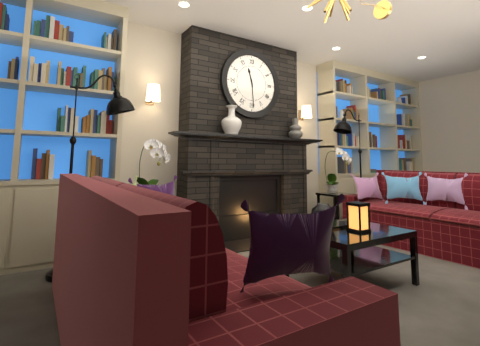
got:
h=11 m=29
